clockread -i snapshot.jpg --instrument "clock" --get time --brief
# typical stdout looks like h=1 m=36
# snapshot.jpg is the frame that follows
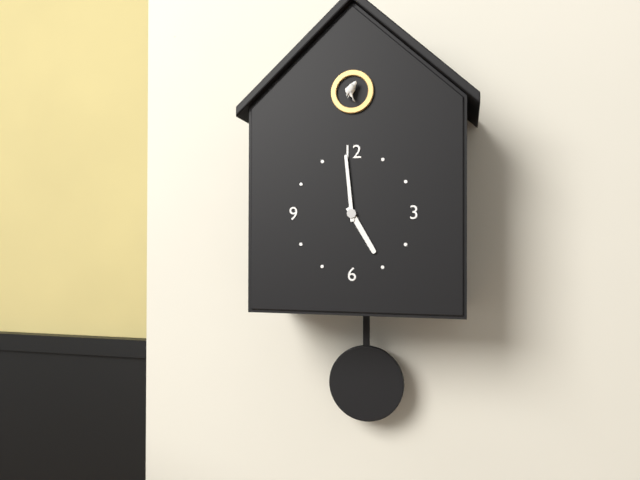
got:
h=4 m=59
